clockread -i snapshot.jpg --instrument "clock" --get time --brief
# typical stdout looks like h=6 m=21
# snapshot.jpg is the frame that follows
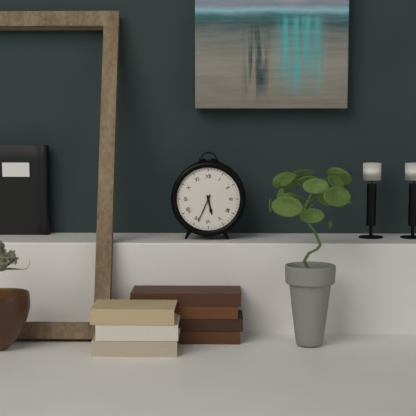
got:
h=5 m=34
